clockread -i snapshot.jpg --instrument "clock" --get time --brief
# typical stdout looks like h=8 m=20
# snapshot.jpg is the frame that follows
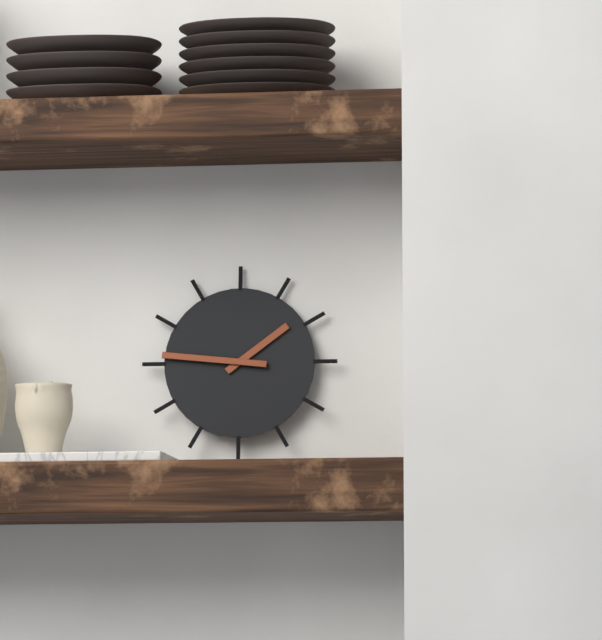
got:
h=1 m=46
